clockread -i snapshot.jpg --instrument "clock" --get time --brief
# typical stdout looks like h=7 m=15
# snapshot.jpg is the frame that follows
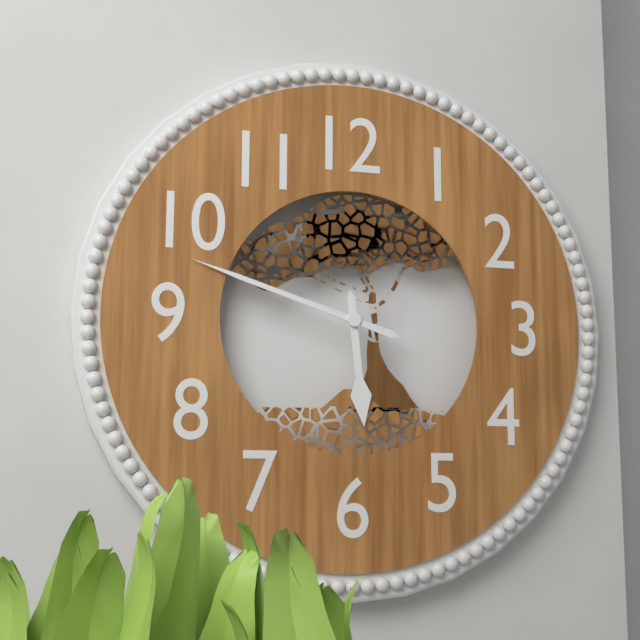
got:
h=5 m=48
